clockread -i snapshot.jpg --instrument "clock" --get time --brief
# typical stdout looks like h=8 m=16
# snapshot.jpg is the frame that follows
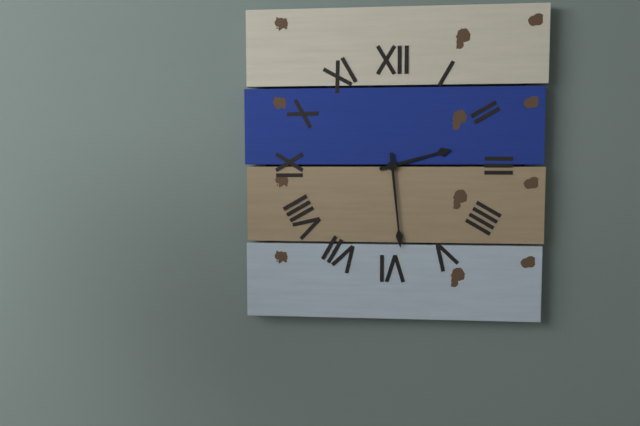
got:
h=2 m=29
